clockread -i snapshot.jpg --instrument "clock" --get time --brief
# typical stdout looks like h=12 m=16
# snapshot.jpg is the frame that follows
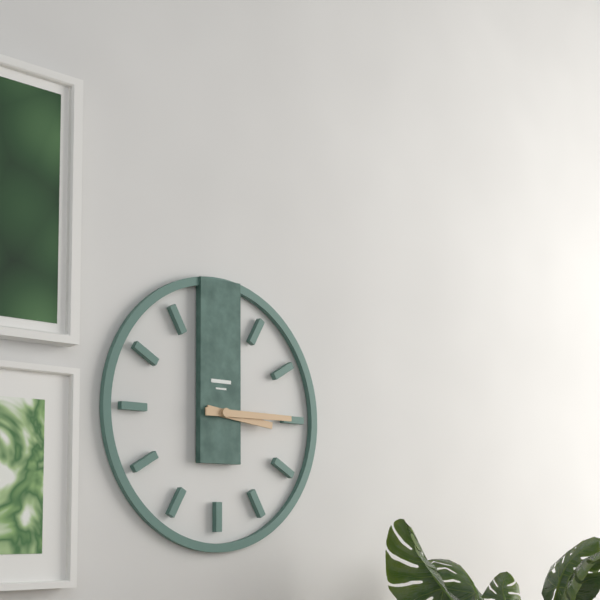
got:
h=3 m=15
